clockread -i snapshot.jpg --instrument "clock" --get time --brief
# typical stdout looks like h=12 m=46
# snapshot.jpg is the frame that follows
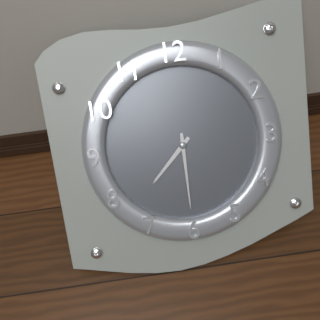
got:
h=7 m=30
